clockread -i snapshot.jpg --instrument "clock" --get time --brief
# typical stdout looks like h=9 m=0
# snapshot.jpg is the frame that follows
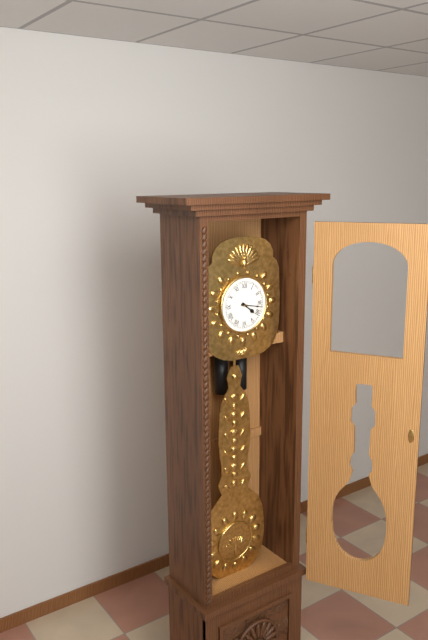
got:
h=4 m=17
